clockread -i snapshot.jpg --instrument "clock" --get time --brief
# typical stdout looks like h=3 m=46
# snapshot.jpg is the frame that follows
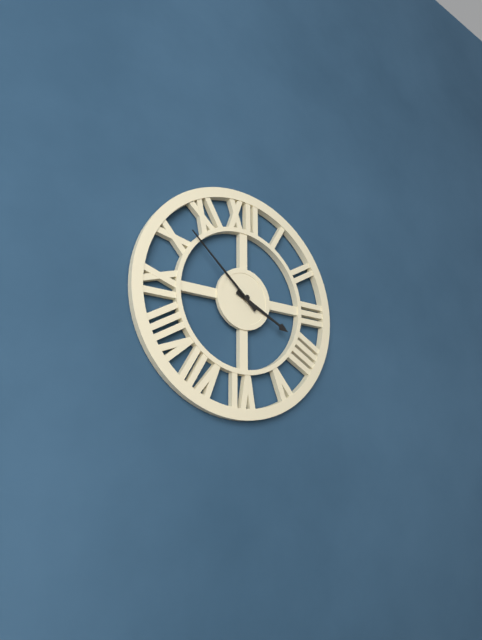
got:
h=3 m=52
